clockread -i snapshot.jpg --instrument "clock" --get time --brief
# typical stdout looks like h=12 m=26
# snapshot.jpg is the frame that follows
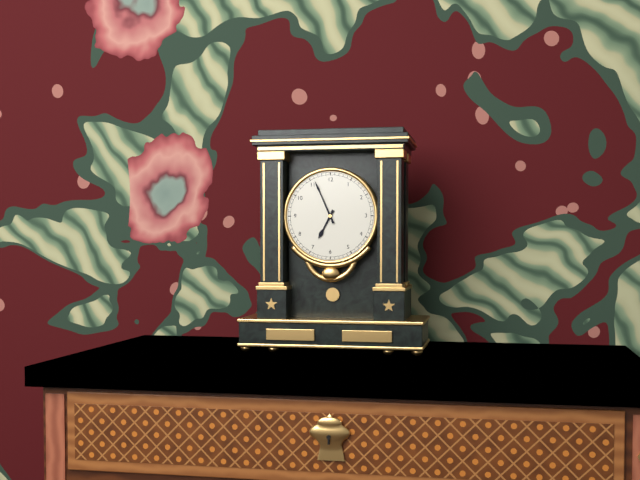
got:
h=6 m=56
